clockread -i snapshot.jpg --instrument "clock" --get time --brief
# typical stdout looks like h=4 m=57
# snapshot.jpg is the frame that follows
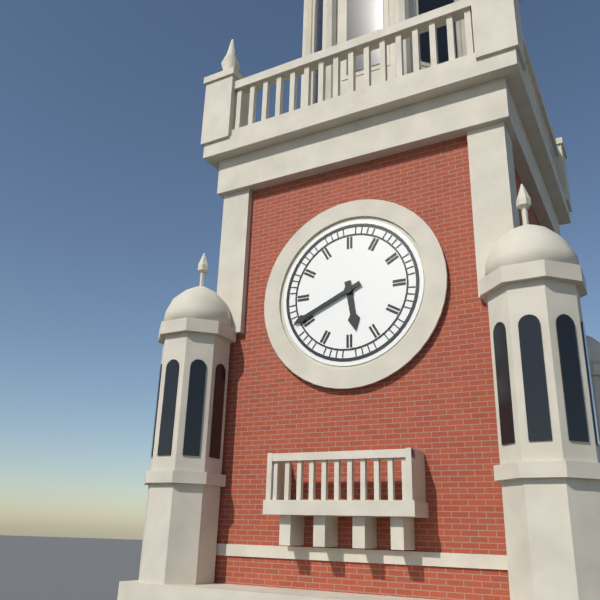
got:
h=5 m=41
